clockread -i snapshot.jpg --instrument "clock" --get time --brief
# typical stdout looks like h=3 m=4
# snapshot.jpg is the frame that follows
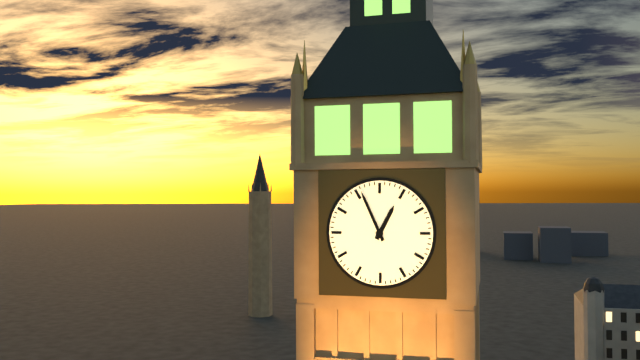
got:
h=12 m=56
